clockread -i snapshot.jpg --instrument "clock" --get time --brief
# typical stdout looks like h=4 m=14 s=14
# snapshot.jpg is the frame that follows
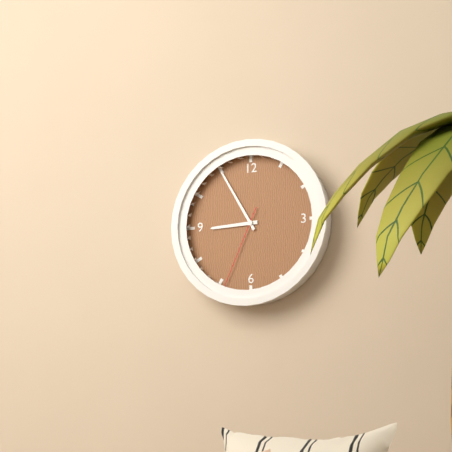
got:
h=8 m=55 s=34
